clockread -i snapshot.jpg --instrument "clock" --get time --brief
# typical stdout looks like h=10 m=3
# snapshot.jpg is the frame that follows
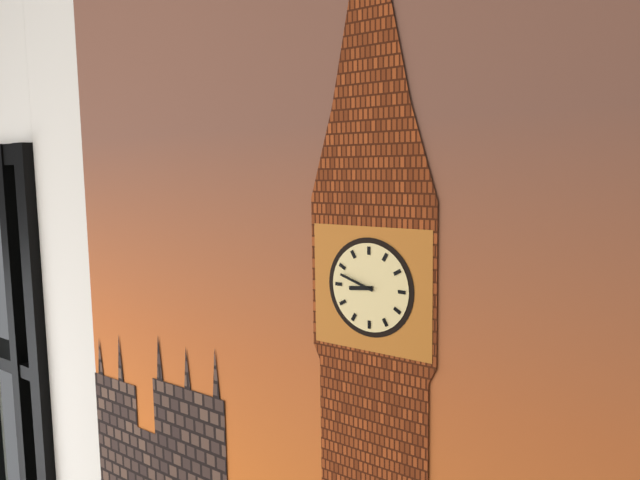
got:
h=8 m=48
